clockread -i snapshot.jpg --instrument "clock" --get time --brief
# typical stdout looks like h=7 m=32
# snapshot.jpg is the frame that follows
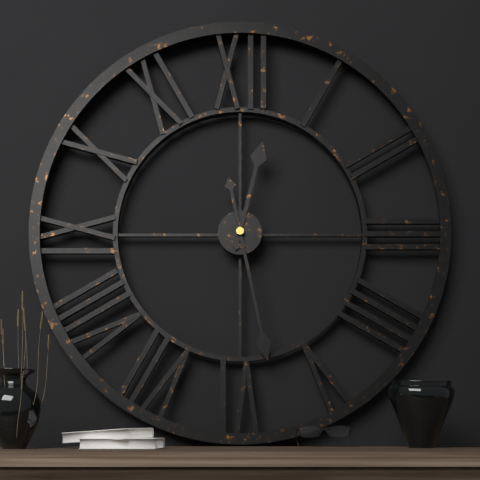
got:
h=12 m=28
